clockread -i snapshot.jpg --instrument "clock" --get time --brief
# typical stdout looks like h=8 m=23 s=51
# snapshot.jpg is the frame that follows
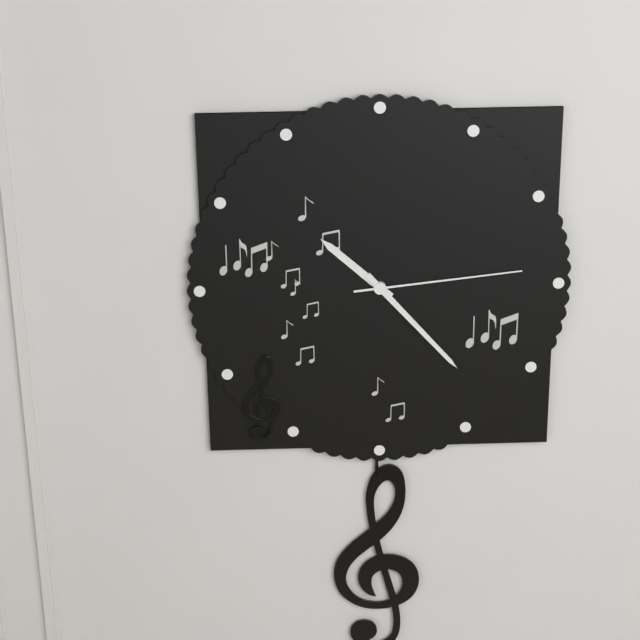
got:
h=10 m=23 s=14
